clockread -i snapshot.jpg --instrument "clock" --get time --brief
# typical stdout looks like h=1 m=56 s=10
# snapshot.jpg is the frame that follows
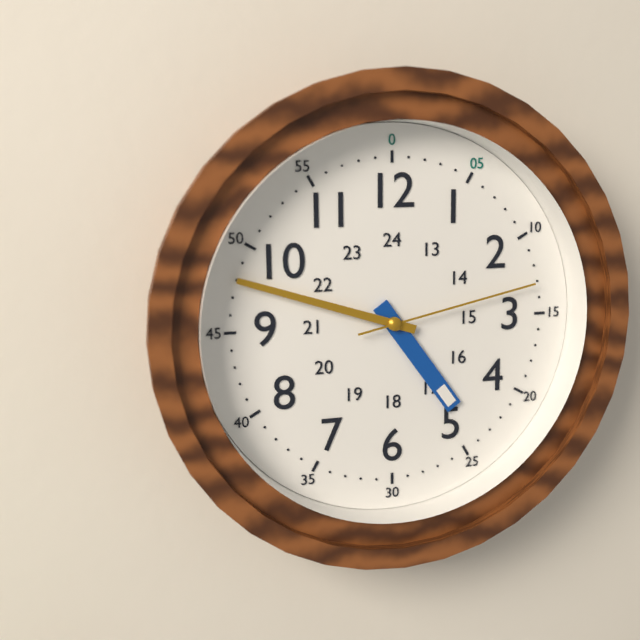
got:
h=4 m=48 s=13
